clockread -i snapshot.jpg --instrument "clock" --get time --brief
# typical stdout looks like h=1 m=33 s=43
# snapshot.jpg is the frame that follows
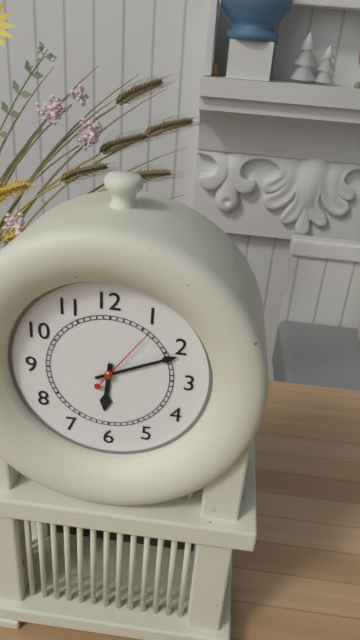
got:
h=6 m=11 s=6
